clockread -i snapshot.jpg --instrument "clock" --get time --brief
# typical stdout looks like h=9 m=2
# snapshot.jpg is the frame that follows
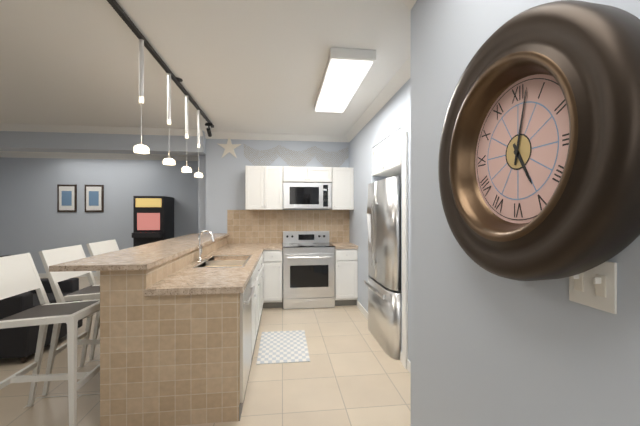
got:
h=5 m=2
